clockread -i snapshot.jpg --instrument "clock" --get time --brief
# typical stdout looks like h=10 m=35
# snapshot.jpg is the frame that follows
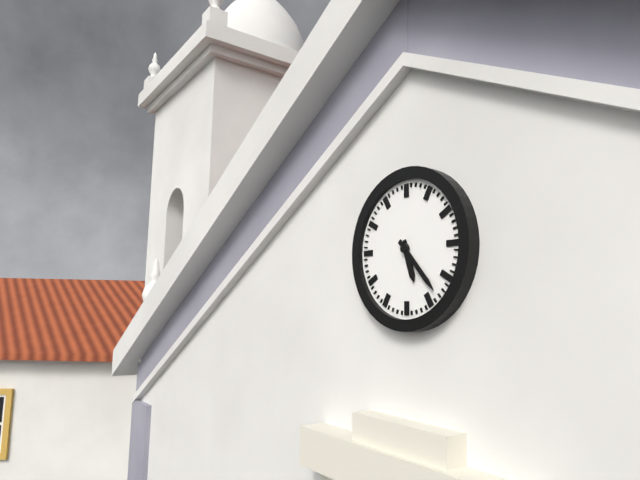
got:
h=5 m=23
